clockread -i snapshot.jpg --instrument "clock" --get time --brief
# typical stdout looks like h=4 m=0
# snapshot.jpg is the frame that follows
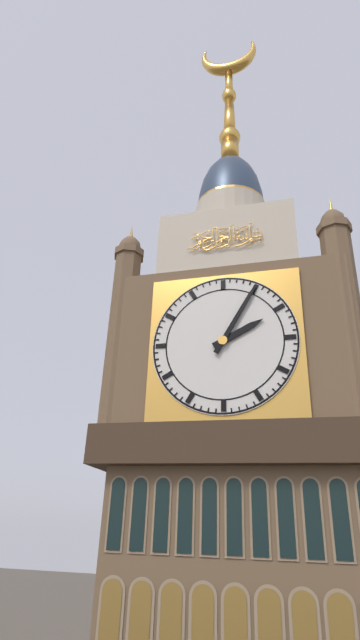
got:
h=2 m=5
